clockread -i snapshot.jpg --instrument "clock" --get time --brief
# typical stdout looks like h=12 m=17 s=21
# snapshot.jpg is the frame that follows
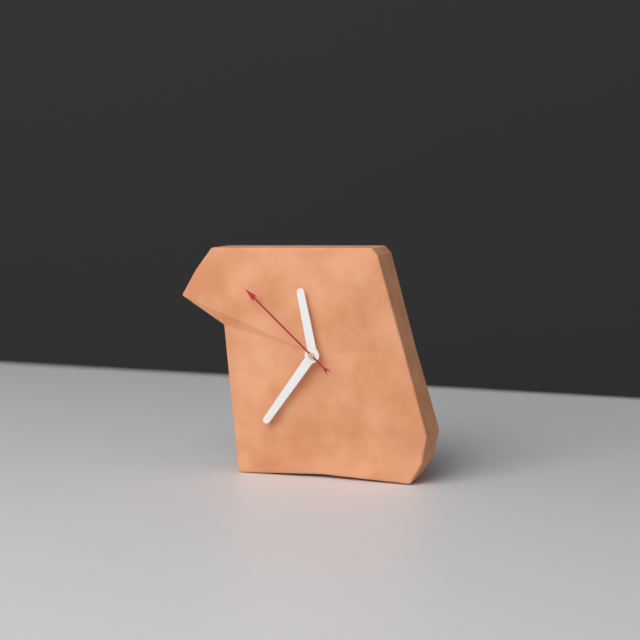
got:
h=11 m=36 s=52
